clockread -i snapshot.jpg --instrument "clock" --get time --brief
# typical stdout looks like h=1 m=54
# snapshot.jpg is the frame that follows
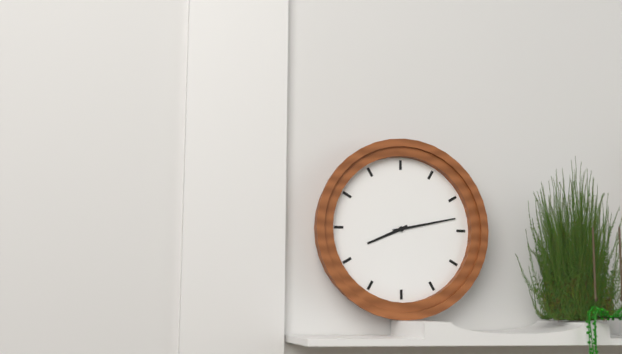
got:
h=8 m=13
